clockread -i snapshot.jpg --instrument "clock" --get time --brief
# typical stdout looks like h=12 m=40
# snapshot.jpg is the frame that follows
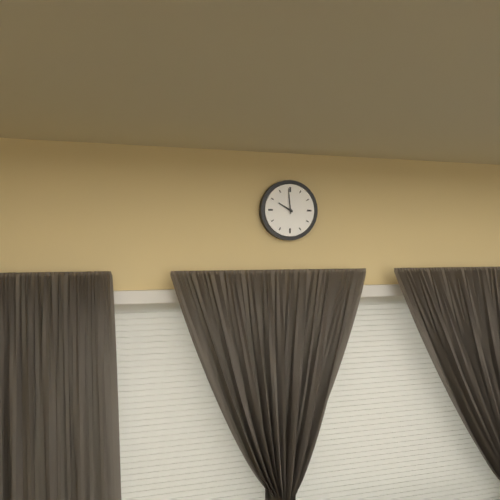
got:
h=9 m=59
